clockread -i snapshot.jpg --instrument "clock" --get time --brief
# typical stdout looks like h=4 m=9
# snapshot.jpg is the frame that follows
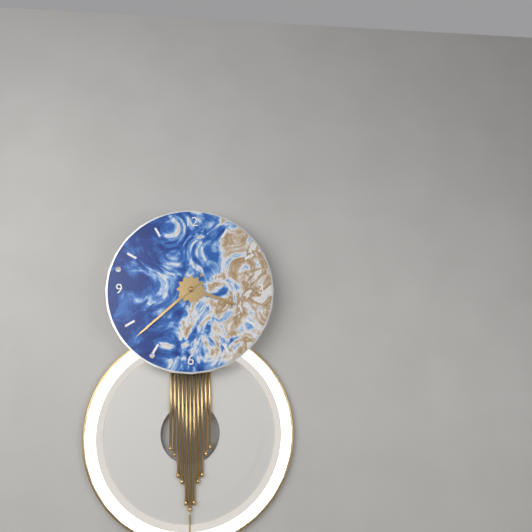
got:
h=3 m=38
